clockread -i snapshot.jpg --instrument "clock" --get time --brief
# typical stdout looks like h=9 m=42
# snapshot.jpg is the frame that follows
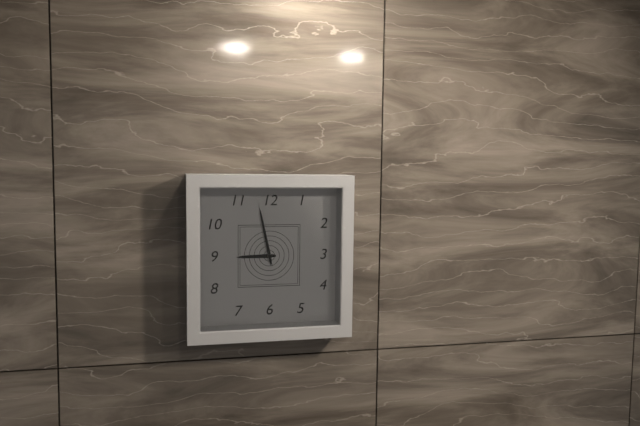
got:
h=8 m=58
